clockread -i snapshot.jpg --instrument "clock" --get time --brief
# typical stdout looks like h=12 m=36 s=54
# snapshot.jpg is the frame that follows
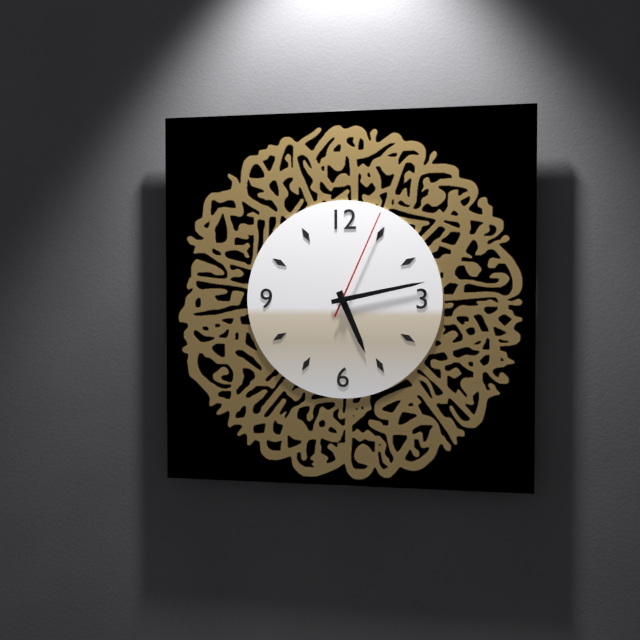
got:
h=5 m=13 s=4
